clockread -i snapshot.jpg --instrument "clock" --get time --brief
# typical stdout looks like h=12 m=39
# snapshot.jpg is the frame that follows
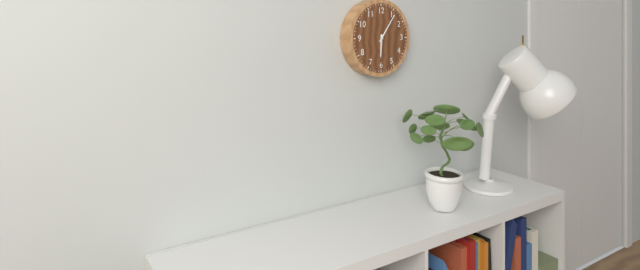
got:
h=6 m=6
